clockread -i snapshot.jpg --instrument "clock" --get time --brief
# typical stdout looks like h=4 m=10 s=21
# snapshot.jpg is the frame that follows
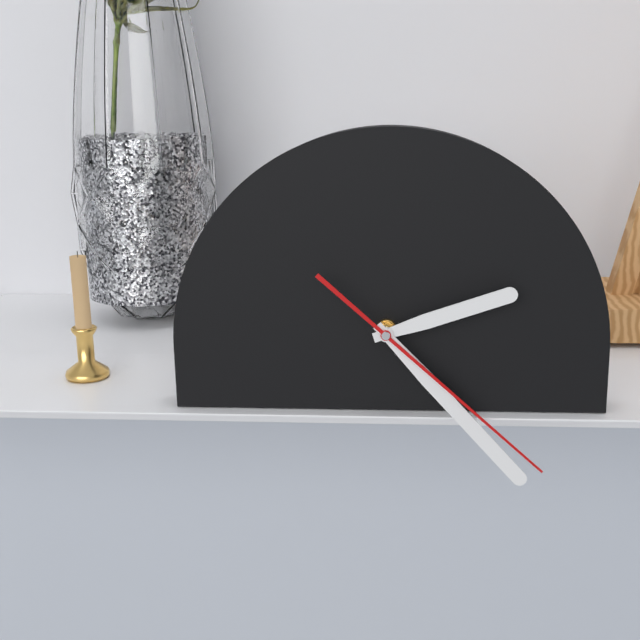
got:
h=2 m=23 s=22
